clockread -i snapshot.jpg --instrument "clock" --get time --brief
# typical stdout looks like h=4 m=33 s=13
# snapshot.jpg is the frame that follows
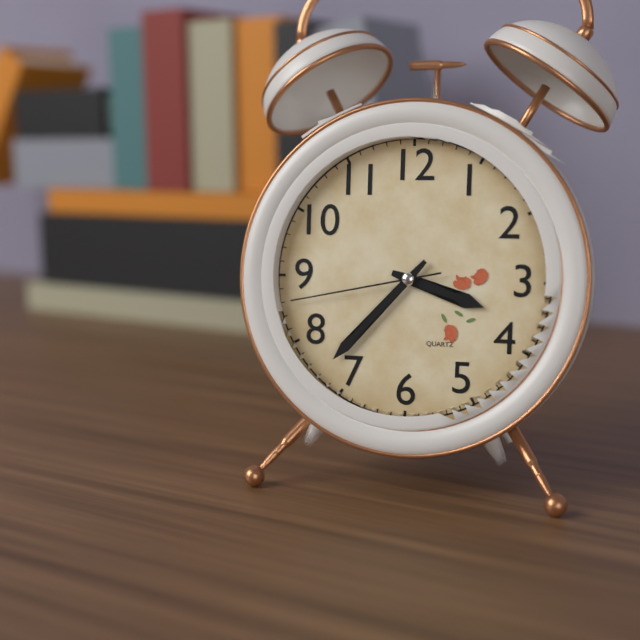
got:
h=3 m=37 s=43
